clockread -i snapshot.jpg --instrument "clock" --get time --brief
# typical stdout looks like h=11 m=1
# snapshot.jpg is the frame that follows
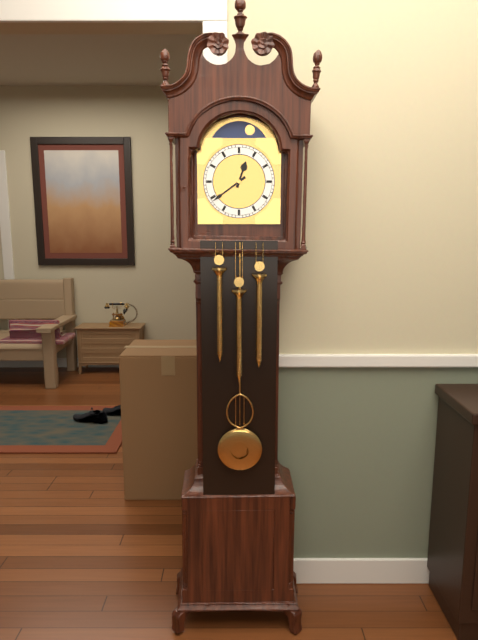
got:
h=12 m=39
